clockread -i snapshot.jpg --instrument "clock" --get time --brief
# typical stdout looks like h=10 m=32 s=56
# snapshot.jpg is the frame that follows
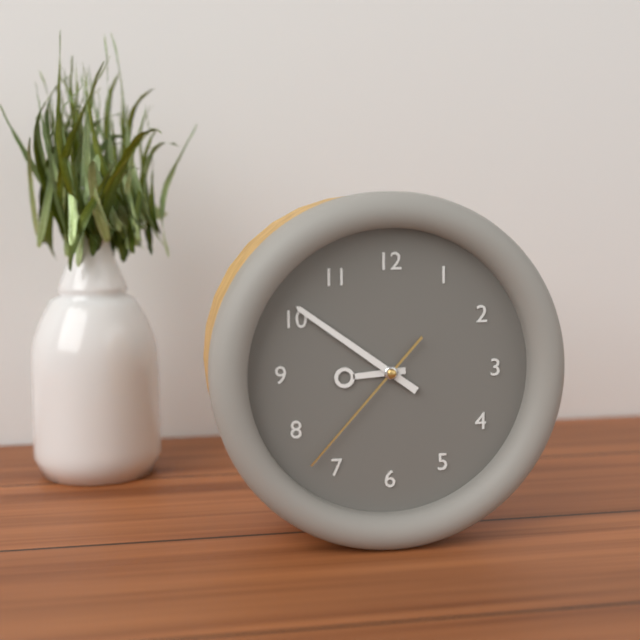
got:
h=8 m=51 s=37
